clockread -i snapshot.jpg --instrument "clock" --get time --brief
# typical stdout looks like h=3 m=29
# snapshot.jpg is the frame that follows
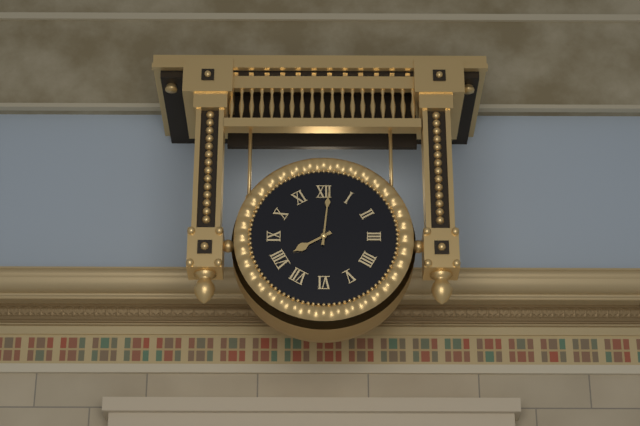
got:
h=8 m=1
